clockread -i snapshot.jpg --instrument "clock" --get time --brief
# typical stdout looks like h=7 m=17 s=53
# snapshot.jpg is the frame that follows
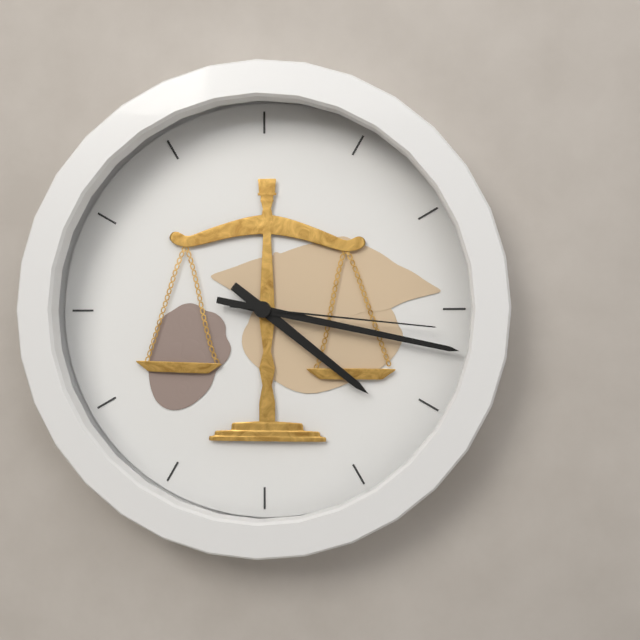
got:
h=4 m=17 s=16
